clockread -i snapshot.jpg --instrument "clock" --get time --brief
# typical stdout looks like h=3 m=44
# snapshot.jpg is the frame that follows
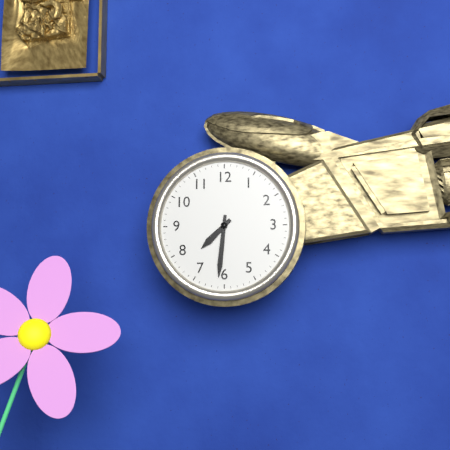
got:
h=7 m=31
